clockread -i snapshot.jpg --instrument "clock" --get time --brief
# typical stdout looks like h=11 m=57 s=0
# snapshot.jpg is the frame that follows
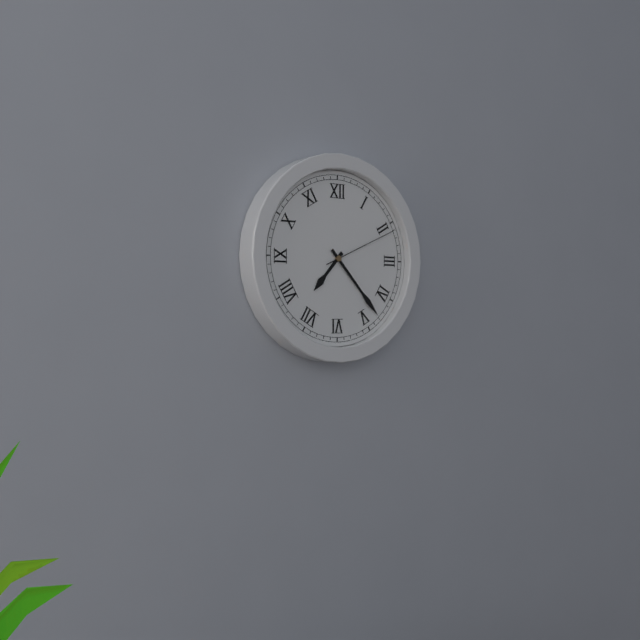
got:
h=7 m=23 s=11
